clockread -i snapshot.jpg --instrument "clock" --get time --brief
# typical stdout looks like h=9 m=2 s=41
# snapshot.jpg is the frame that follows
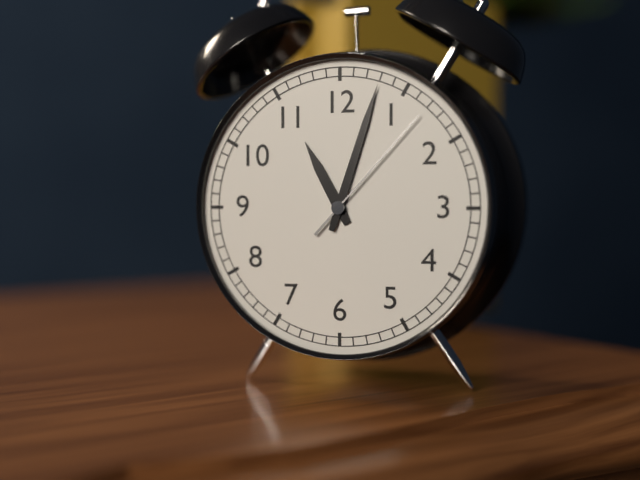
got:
h=11 m=3 s=7
